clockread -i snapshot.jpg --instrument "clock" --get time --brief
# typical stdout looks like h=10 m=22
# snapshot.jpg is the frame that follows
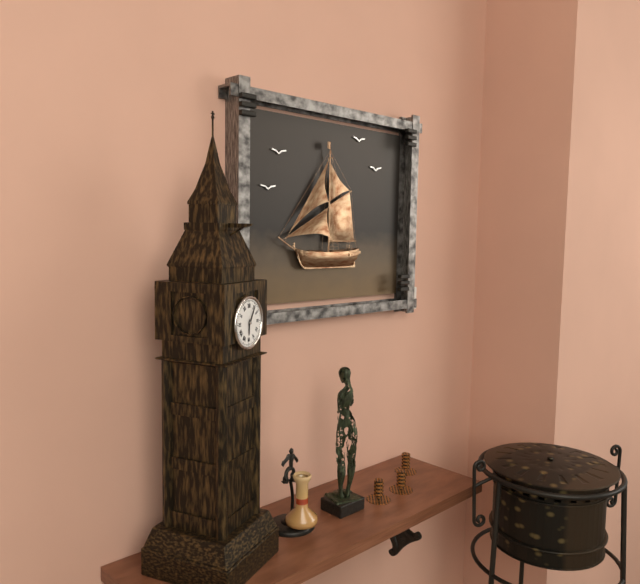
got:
h=6 m=5
